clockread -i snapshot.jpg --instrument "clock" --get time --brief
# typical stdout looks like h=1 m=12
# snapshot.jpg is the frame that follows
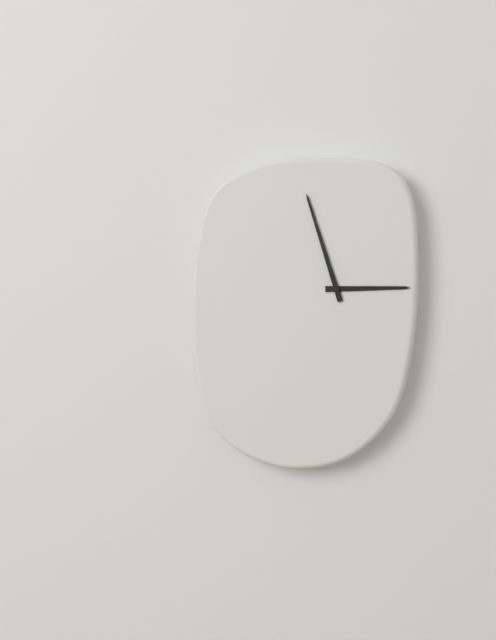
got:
h=2 m=57
